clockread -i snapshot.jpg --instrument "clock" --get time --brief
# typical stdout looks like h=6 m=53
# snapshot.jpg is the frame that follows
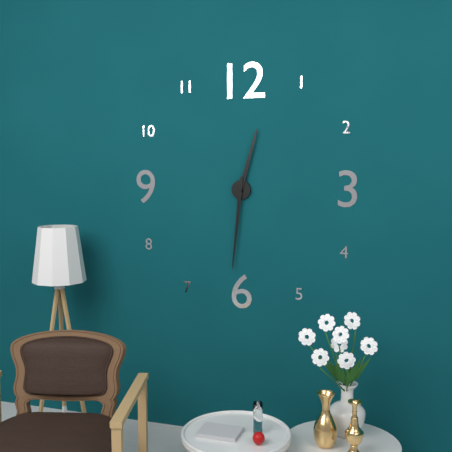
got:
h=12 m=31
